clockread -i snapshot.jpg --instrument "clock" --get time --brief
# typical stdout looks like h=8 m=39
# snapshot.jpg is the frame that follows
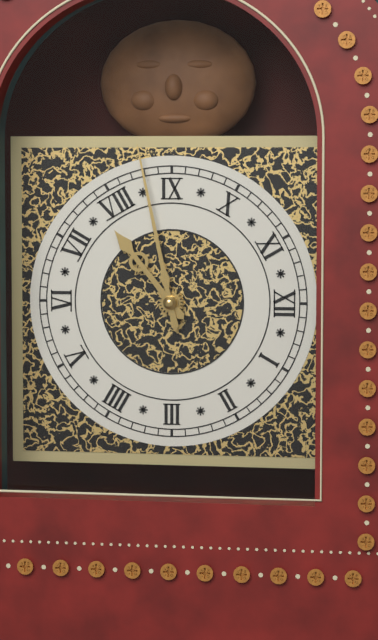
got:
h=7 m=43
